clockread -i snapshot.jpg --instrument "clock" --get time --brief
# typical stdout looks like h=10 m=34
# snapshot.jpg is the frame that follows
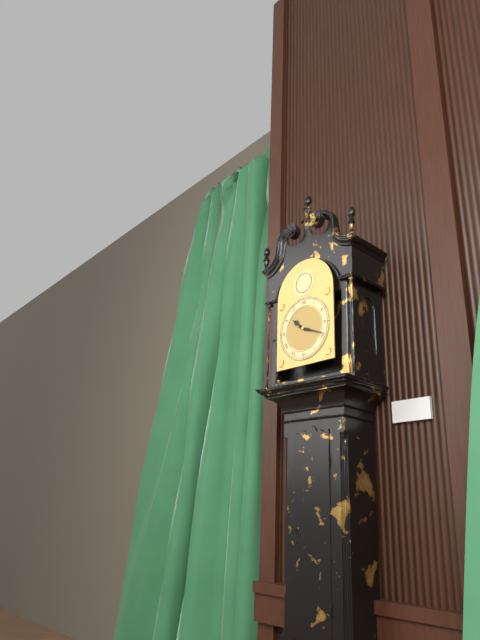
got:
h=10 m=19
